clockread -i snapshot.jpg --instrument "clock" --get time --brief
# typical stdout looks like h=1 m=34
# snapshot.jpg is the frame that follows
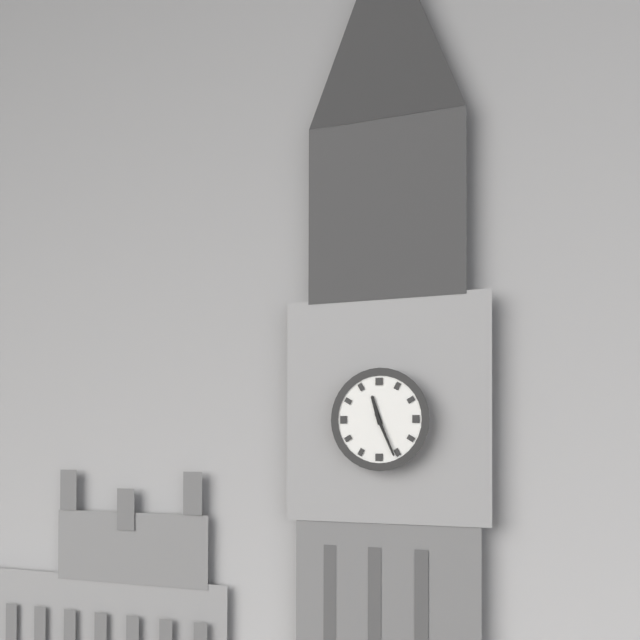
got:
h=11 m=26
